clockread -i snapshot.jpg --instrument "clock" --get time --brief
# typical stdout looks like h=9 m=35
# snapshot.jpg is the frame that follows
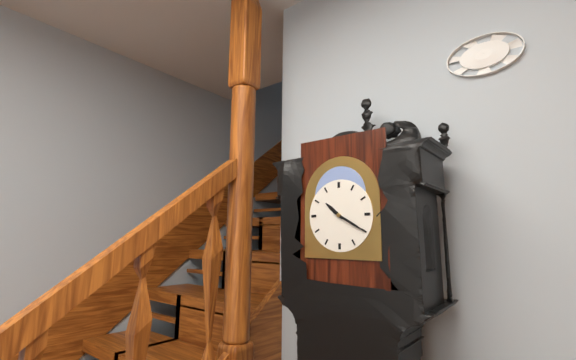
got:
h=10 m=20
